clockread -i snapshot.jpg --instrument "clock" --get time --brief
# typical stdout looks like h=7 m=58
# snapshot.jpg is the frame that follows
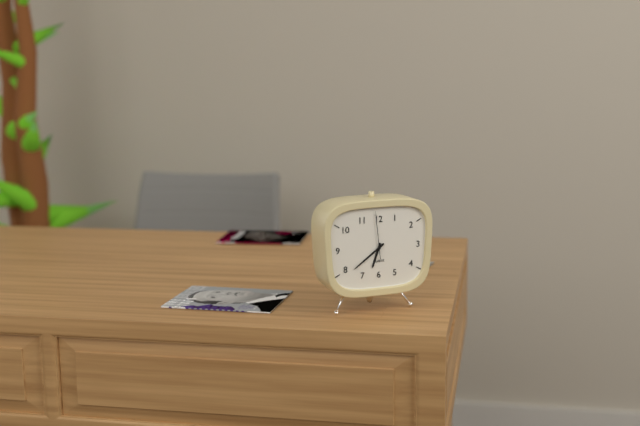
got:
h=6 m=39
